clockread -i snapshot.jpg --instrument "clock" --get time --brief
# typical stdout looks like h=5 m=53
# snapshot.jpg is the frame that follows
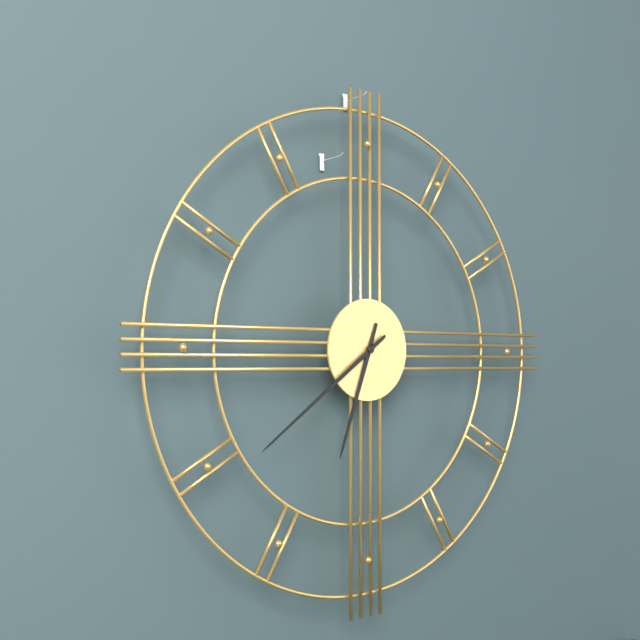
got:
h=6 m=39
